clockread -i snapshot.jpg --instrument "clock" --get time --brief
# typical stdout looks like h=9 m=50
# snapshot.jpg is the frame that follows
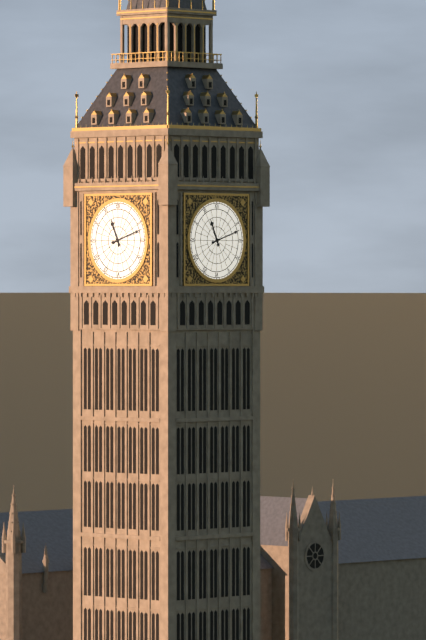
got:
h=11 m=12
